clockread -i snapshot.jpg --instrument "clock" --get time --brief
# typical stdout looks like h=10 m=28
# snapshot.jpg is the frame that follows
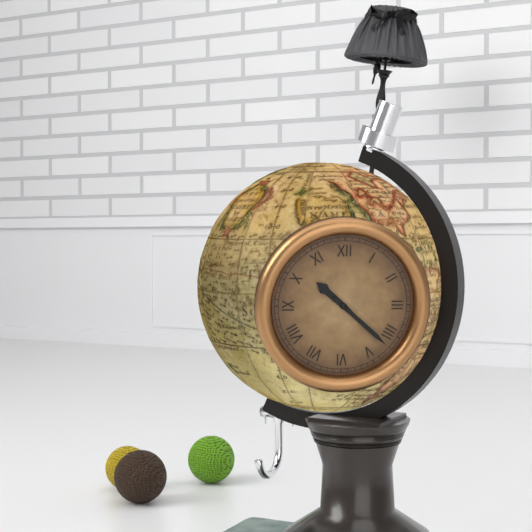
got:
h=10 m=22
